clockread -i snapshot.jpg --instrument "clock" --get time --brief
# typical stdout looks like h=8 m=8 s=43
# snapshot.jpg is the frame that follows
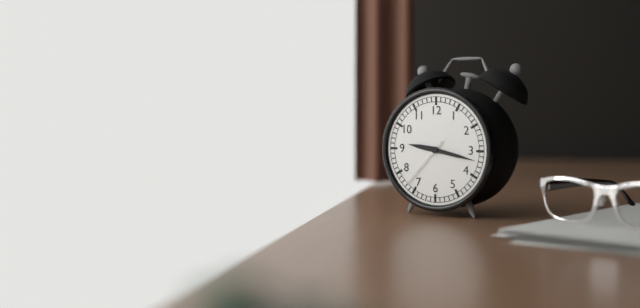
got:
h=9 m=17 s=37
